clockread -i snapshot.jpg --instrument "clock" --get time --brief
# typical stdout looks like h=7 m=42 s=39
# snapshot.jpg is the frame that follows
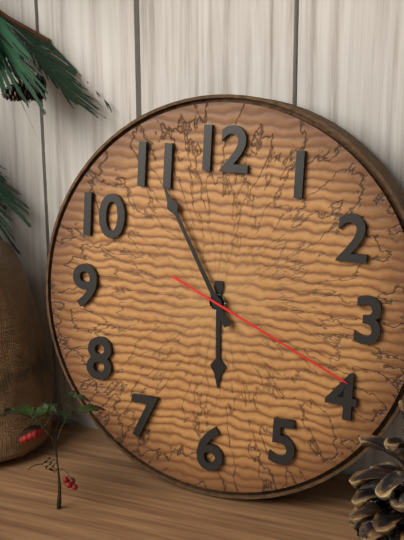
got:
h=5 m=55 s=19
